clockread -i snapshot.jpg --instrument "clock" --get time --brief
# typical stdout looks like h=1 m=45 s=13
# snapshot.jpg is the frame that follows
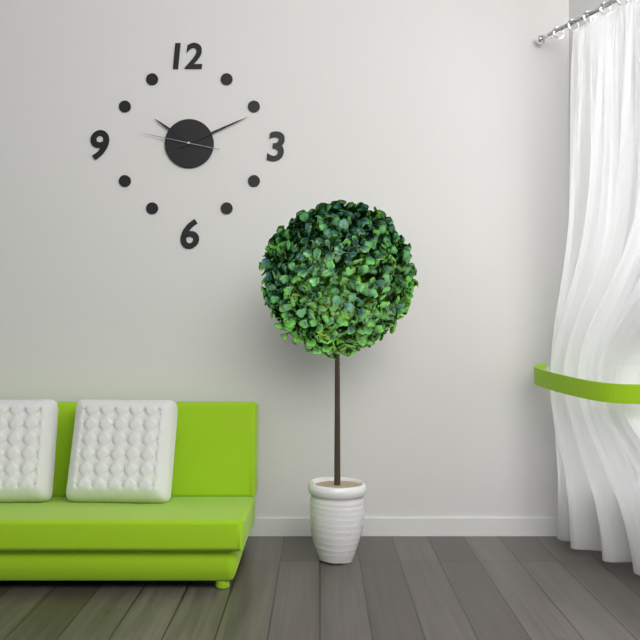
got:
h=10 m=11 s=47
